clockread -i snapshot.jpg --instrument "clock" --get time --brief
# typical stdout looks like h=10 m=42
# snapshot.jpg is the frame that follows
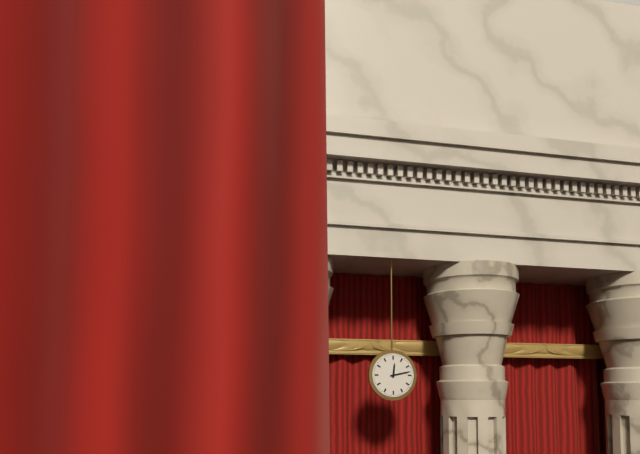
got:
h=12 m=13
